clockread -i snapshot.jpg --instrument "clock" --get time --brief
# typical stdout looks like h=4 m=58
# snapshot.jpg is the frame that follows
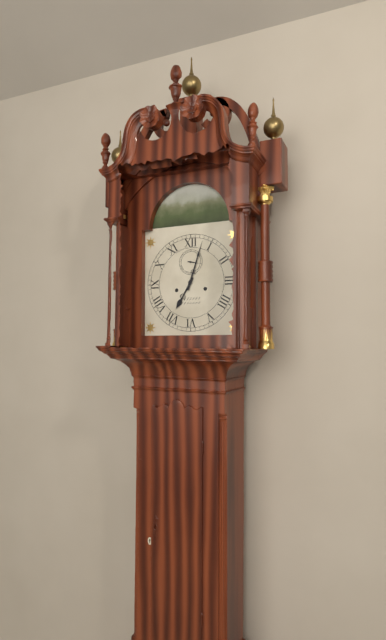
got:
h=7 m=3
